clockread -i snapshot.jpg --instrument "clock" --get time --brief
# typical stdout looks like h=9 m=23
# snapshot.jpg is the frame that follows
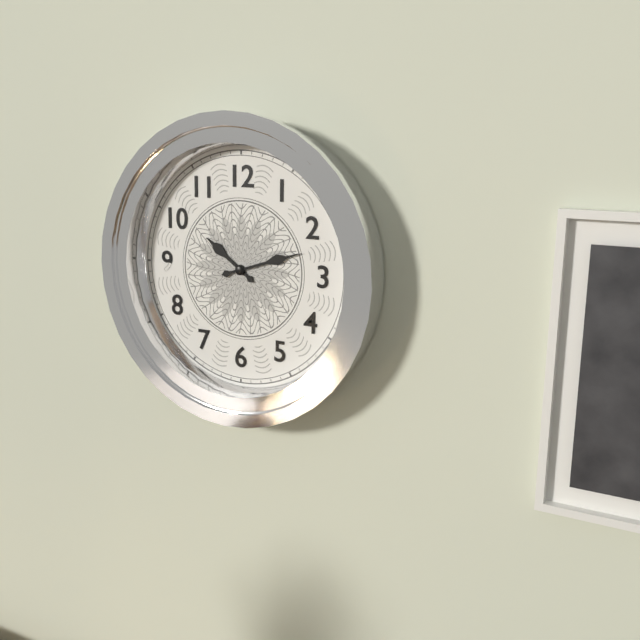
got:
h=10 m=12
